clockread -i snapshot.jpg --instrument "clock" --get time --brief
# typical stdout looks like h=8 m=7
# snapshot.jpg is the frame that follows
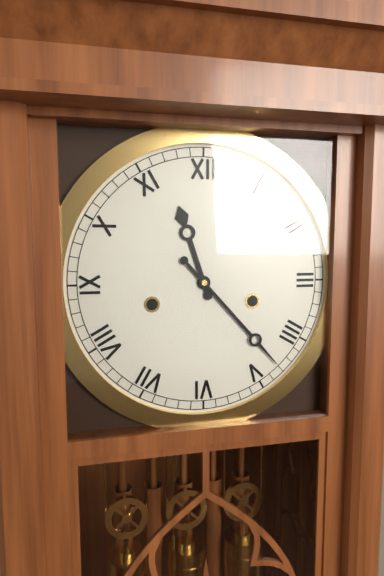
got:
h=11 m=23
